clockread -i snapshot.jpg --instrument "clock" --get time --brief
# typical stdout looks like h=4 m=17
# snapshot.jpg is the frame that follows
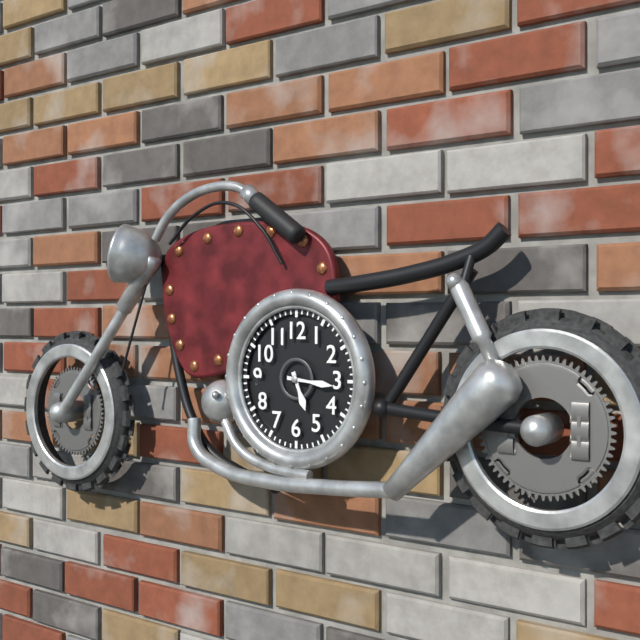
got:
h=5 m=16
